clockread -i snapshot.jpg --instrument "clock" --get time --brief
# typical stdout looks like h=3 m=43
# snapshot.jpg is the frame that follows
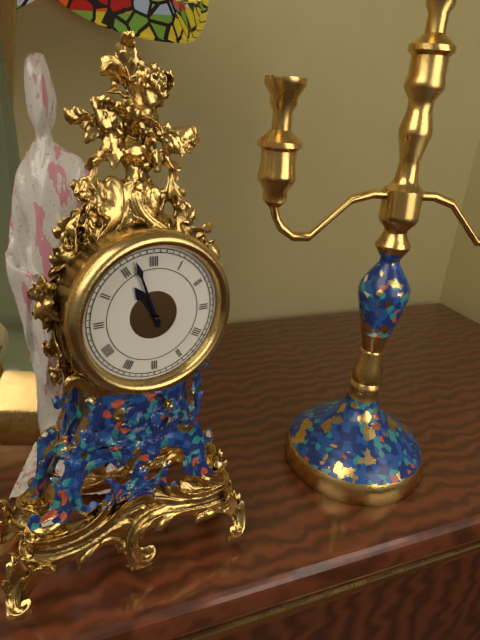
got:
h=10 m=57
